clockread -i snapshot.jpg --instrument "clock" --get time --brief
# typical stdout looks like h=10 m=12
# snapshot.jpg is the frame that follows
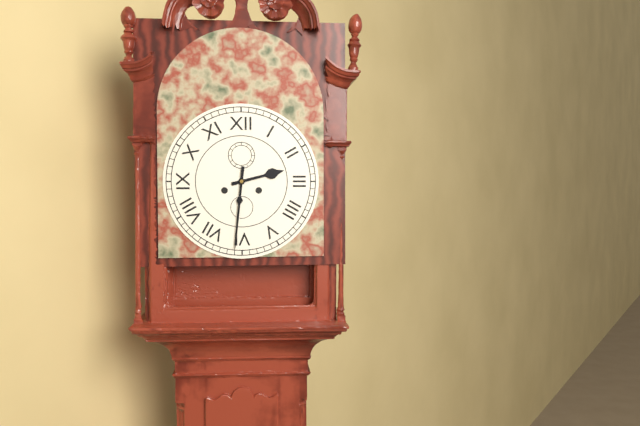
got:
h=2 m=31
